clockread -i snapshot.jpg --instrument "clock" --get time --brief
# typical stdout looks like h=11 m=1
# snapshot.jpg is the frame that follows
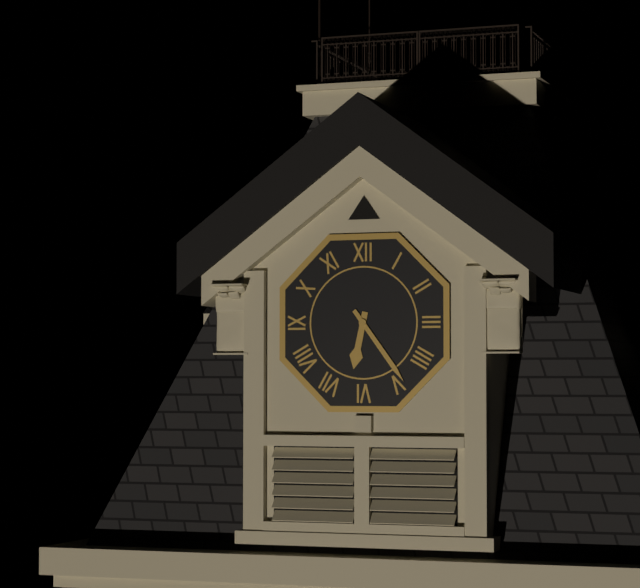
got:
h=6 m=24
